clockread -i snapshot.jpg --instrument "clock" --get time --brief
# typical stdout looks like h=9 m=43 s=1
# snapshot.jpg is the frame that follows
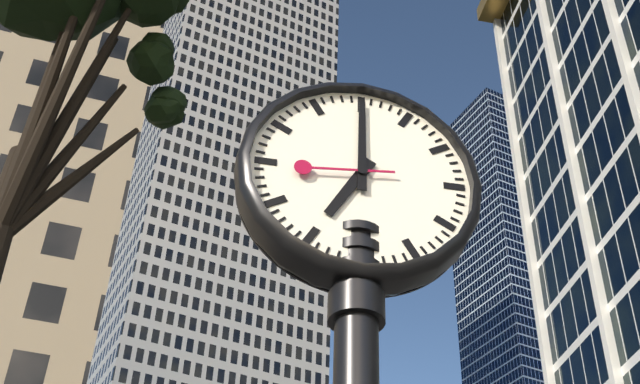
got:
h=7 m=0 s=44
